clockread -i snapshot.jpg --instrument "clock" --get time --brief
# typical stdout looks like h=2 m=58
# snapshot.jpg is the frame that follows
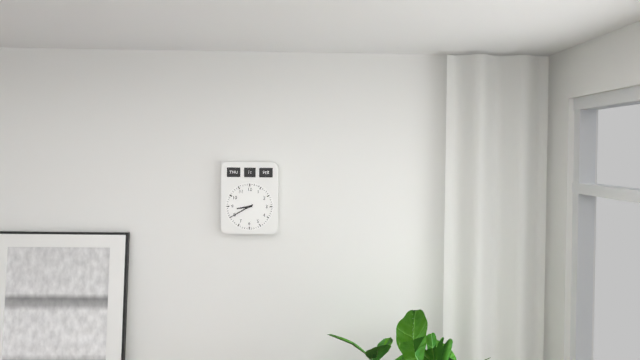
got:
h=8 m=40
